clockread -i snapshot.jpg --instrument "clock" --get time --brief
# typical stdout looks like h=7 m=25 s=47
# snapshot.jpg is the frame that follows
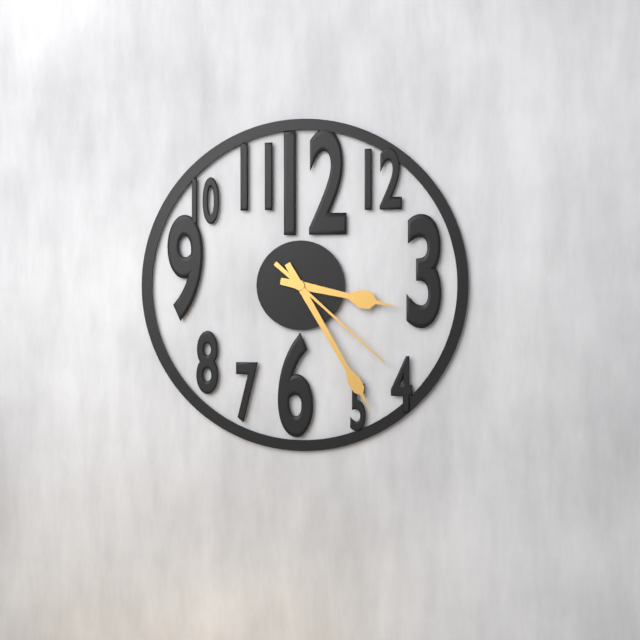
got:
h=3 m=25 s=22
